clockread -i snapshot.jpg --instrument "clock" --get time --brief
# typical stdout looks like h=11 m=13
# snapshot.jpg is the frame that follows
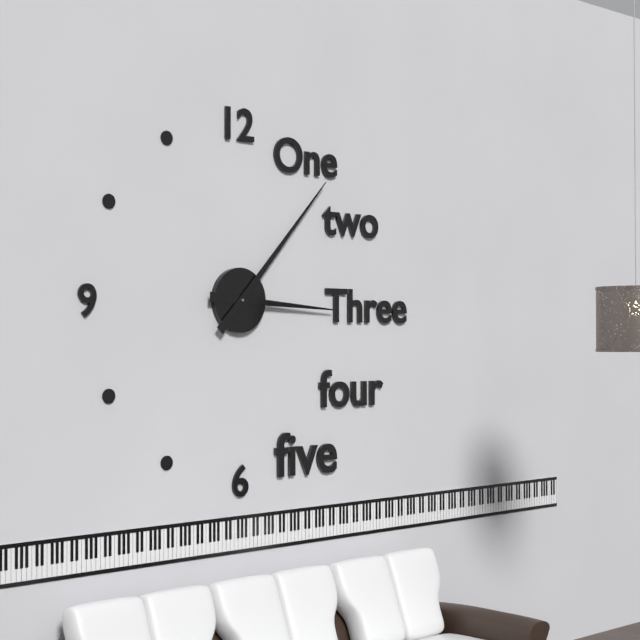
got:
h=3 m=7
